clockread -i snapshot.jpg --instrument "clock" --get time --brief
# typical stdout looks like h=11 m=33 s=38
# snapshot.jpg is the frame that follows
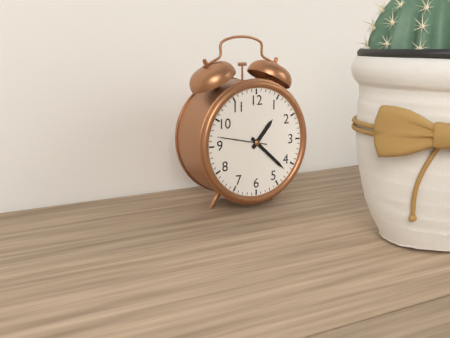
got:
h=1 m=22 s=47
